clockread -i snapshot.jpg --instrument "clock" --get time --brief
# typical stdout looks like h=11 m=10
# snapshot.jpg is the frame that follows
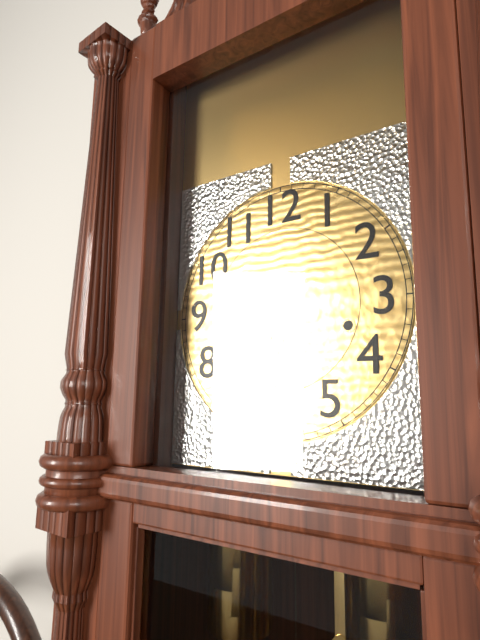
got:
h=9 m=31
